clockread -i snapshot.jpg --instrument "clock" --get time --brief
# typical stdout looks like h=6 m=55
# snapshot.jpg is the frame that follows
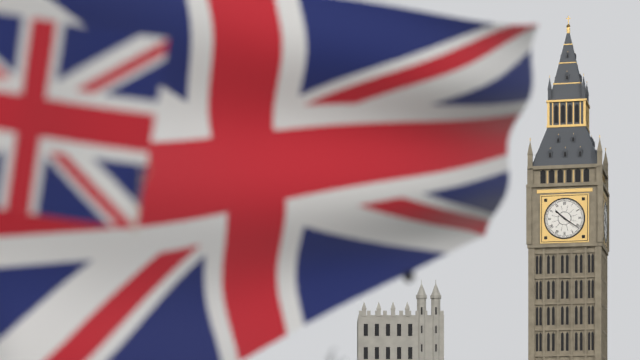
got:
h=10 m=21
